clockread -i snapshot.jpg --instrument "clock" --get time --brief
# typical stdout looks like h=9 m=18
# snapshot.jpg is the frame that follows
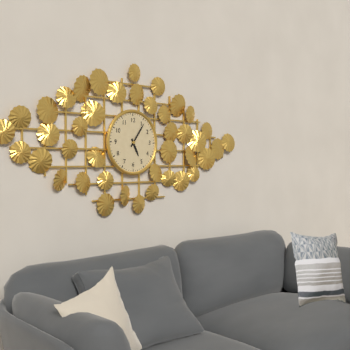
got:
h=5 m=6
